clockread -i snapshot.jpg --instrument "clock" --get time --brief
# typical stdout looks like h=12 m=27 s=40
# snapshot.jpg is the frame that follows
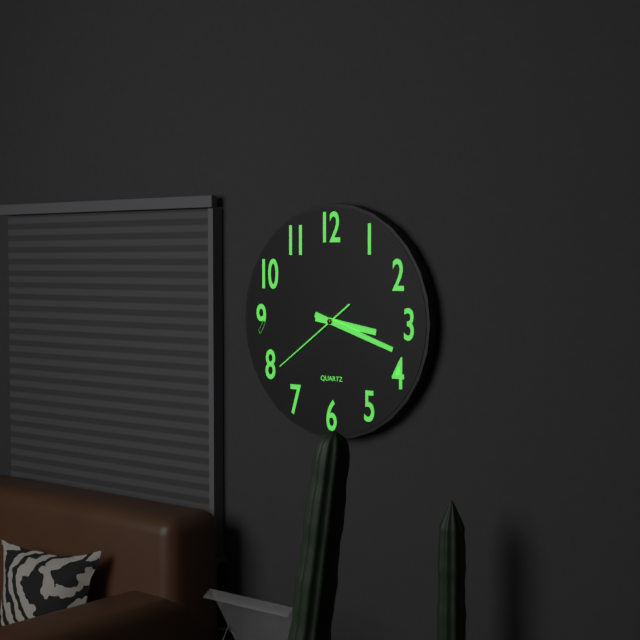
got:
h=3 m=18 s=39
